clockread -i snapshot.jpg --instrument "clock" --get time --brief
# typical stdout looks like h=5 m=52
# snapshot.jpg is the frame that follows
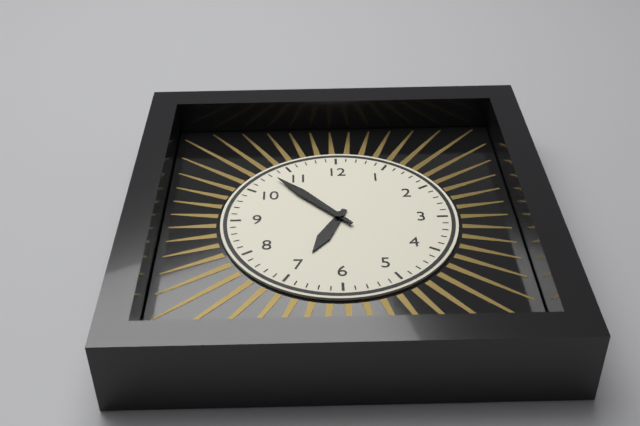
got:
h=6 m=53
